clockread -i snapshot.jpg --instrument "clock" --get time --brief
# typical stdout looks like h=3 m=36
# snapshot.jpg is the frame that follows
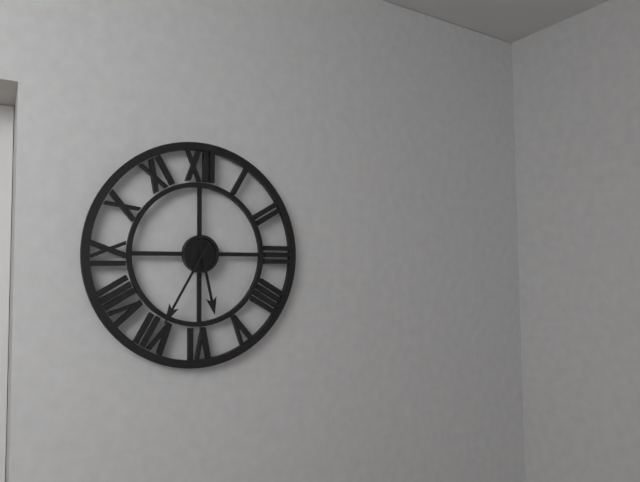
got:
h=5 m=35
